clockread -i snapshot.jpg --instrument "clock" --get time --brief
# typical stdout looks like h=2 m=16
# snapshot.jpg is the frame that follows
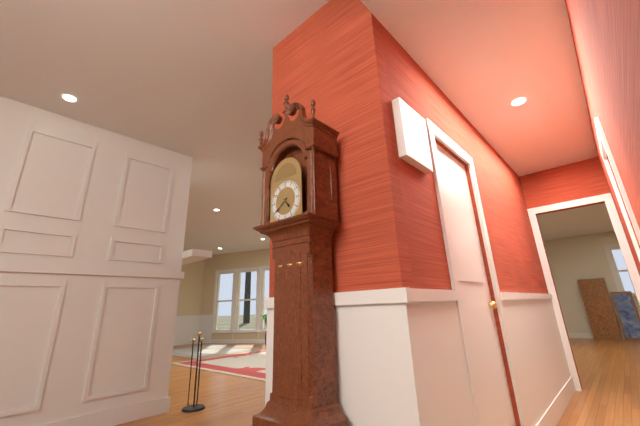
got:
h=4 m=39
